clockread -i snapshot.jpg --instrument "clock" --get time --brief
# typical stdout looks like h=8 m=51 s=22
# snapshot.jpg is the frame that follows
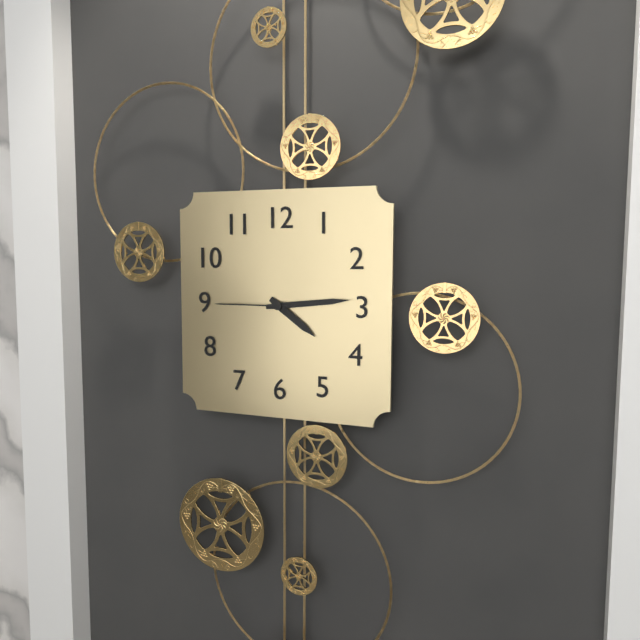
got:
h=4 m=14 s=45
